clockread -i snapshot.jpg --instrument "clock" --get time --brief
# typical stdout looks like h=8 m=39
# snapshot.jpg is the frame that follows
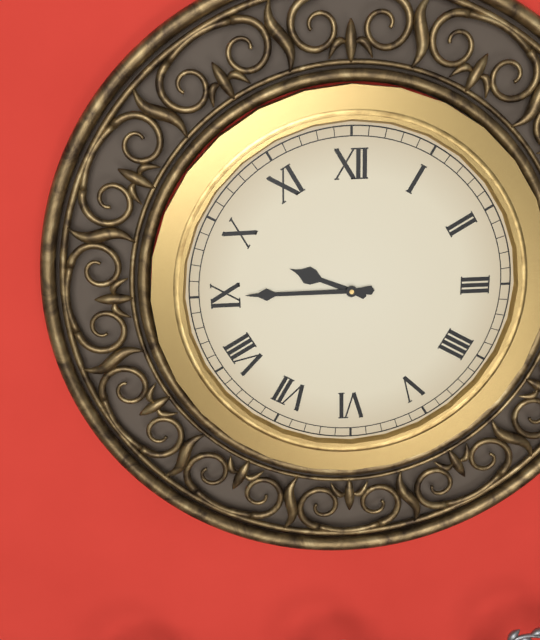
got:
h=9 m=45
